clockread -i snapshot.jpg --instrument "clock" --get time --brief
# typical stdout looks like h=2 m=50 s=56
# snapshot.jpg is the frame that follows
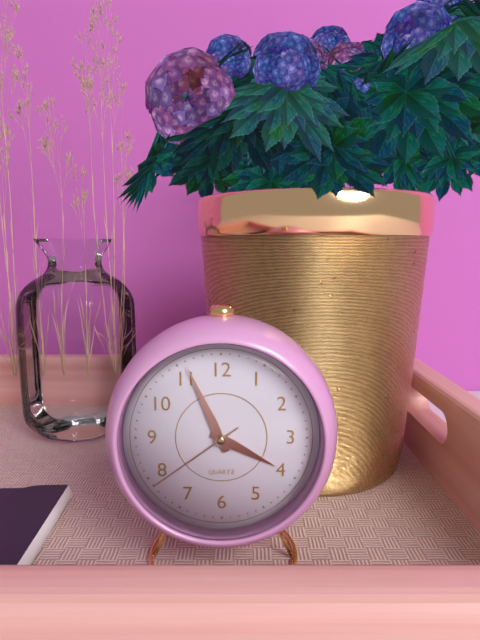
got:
h=3 m=56 s=39
